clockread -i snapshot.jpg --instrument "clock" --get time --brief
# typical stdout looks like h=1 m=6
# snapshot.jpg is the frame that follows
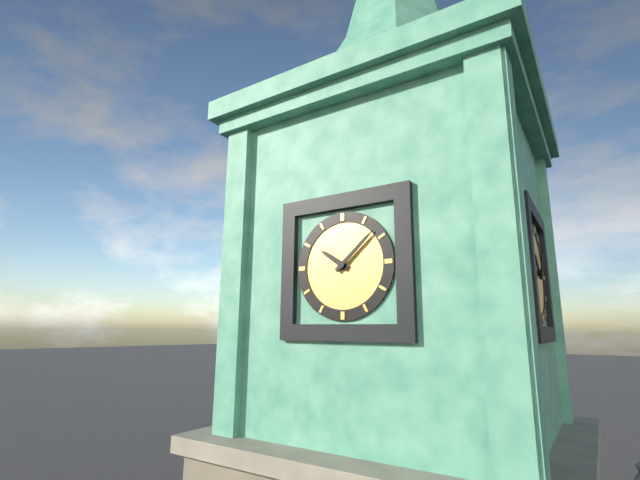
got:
h=10 m=8
